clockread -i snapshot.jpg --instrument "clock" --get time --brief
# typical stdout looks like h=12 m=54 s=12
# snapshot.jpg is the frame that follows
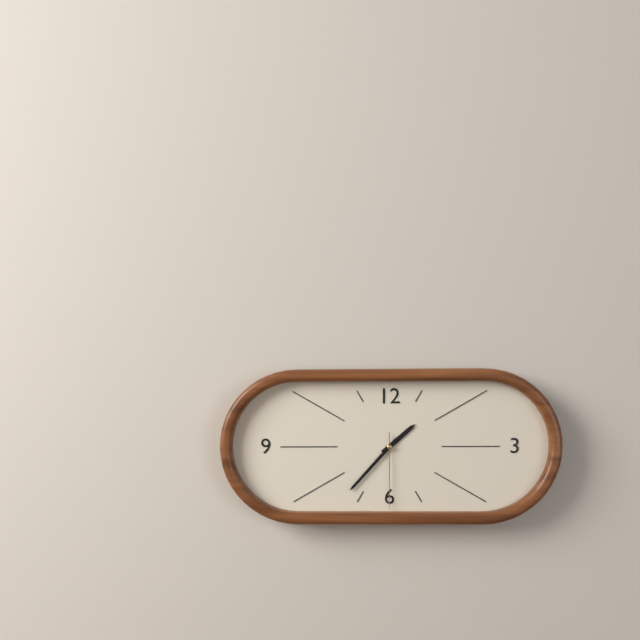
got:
h=1 m=37 s=30
